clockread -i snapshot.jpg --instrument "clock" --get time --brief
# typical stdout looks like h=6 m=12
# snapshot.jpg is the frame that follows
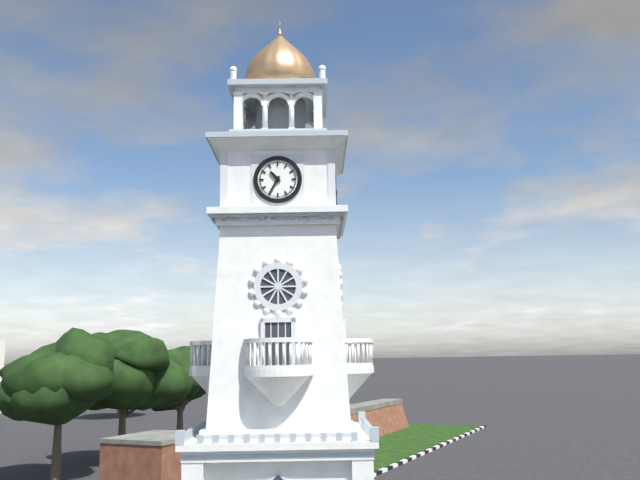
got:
h=10 m=35
